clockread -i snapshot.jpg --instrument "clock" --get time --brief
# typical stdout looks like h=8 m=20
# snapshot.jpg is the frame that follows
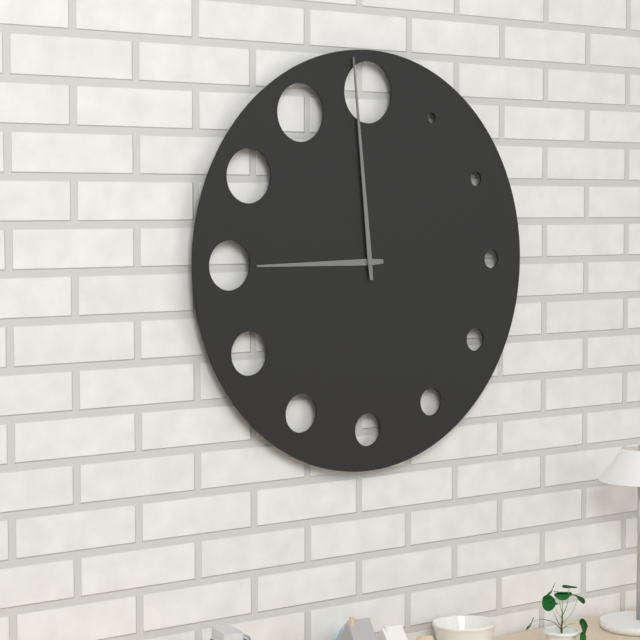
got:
h=8 m=59
